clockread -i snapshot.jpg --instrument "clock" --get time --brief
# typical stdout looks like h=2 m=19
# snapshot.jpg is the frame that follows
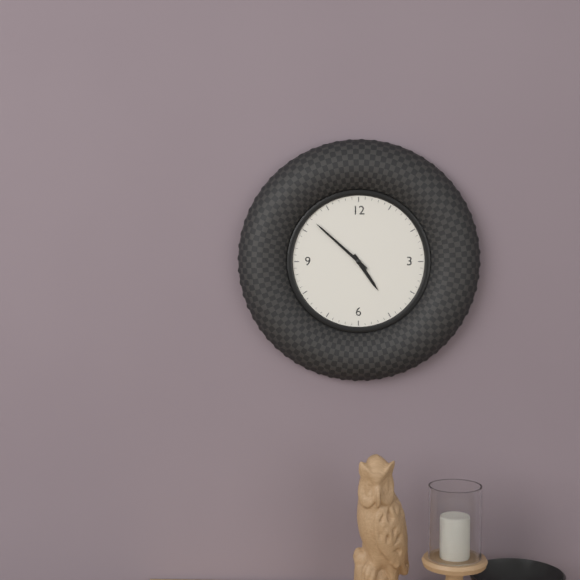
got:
h=4 m=52
